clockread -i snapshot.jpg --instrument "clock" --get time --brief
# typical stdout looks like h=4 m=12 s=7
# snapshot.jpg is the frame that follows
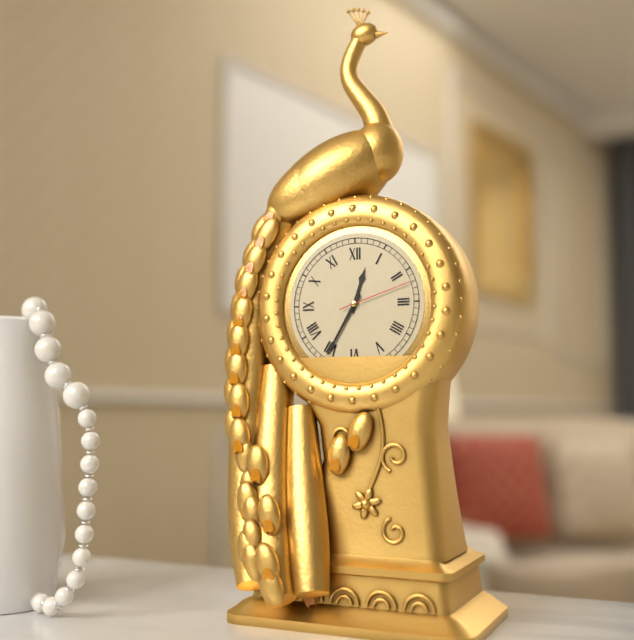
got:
h=12 m=35 s=12
